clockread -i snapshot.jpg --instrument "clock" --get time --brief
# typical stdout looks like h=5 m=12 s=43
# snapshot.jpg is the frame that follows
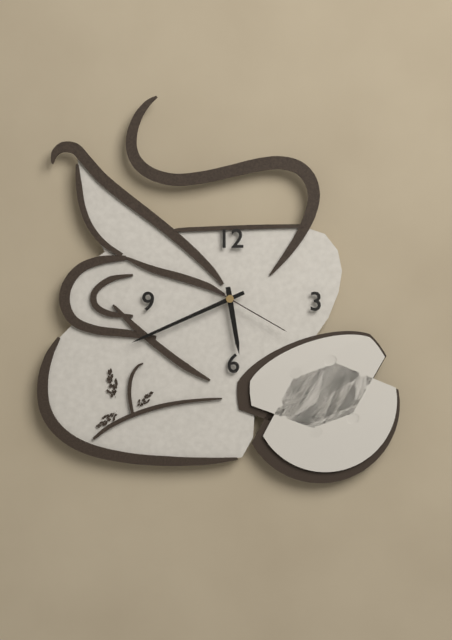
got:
h=5 m=41 s=20
